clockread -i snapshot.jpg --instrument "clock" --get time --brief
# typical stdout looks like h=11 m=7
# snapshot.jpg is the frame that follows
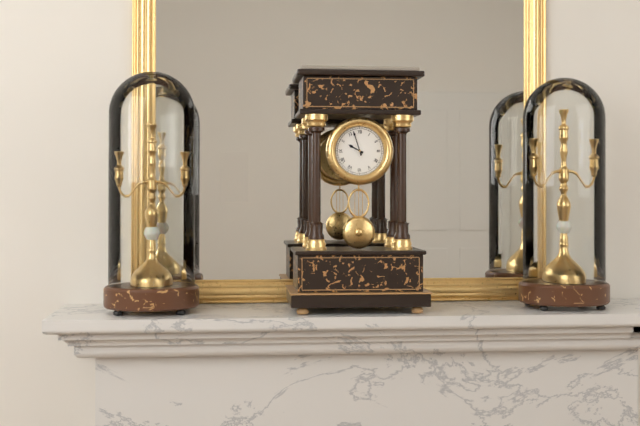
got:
h=9 m=57
